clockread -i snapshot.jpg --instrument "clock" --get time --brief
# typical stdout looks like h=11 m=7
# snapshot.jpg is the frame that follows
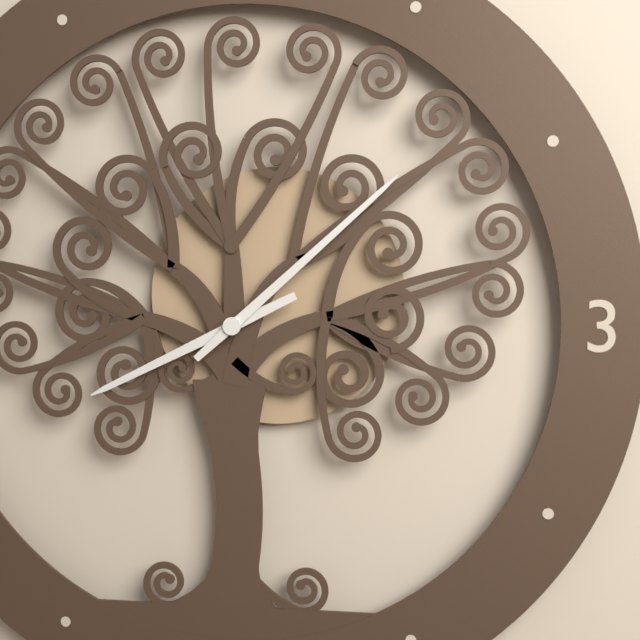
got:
h=8 m=8
